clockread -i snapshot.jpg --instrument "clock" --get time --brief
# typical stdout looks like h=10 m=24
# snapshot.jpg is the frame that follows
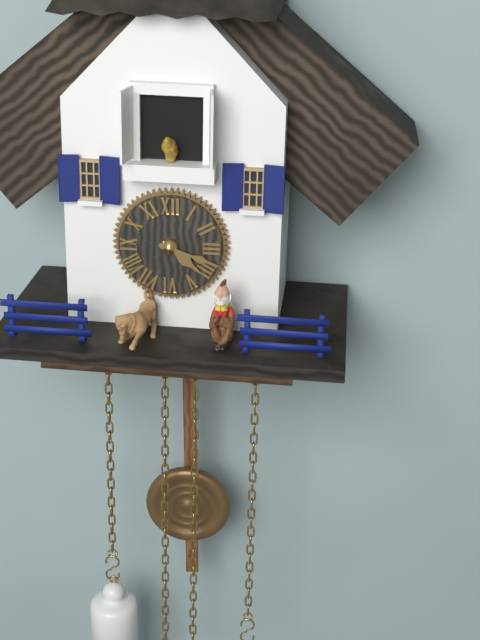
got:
h=4 m=18
